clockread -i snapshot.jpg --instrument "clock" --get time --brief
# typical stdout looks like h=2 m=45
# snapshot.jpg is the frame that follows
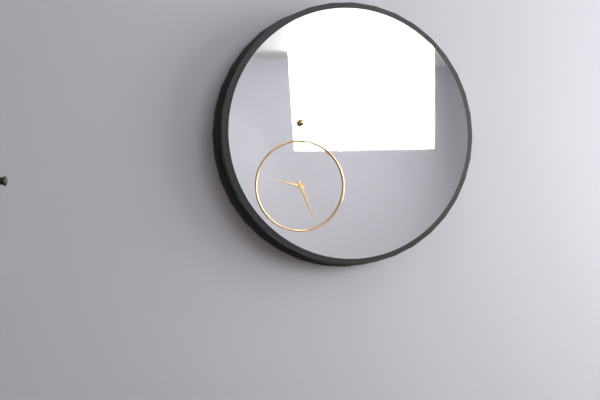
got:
h=9 m=26
